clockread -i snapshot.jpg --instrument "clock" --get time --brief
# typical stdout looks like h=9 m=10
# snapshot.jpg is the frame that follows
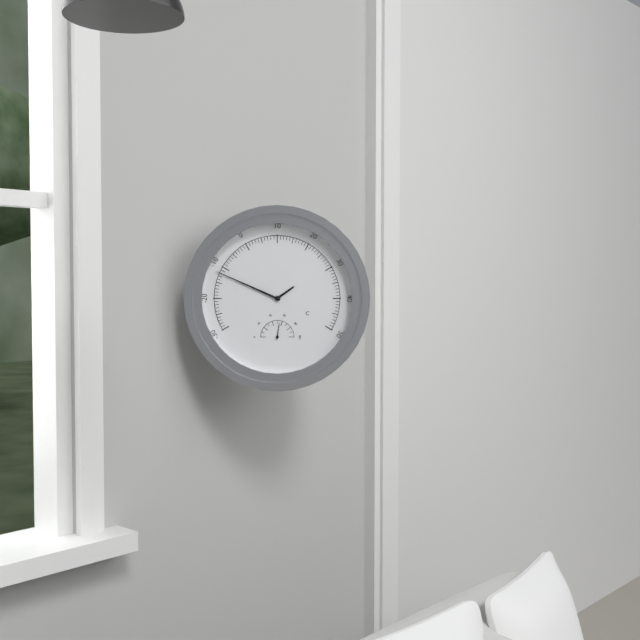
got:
h=1 m=49
